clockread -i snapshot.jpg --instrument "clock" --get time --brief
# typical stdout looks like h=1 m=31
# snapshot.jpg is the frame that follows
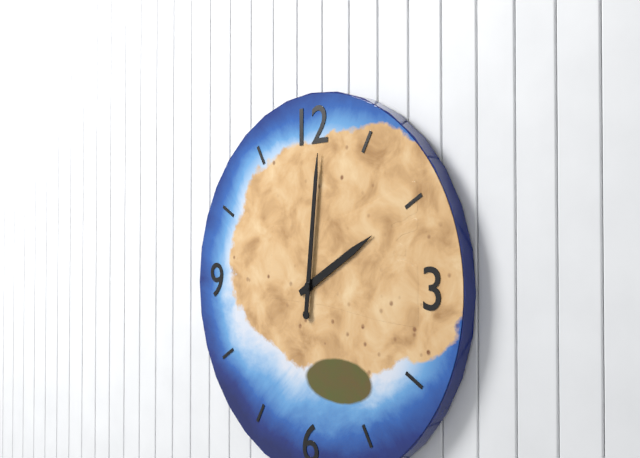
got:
h=2 m=1
